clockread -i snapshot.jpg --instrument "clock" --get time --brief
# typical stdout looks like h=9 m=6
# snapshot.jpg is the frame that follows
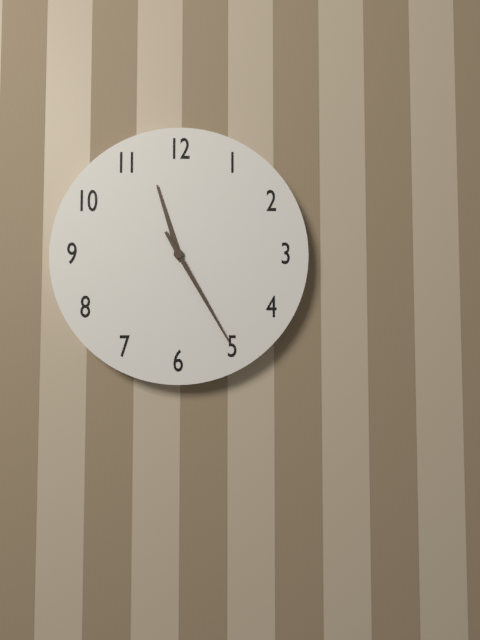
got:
h=11 m=25
